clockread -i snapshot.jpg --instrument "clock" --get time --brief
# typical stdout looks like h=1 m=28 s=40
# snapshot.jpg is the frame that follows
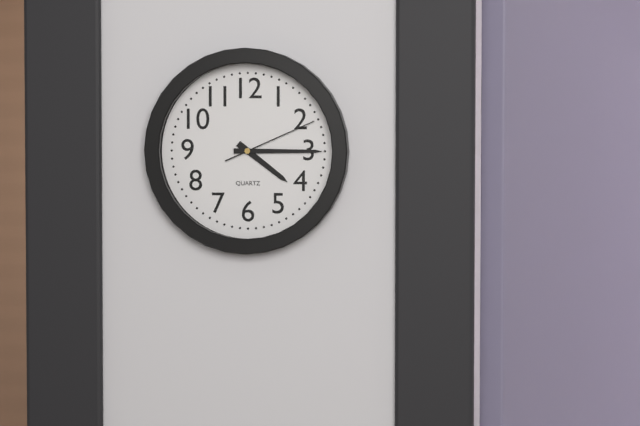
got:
h=4 m=15 s=11
